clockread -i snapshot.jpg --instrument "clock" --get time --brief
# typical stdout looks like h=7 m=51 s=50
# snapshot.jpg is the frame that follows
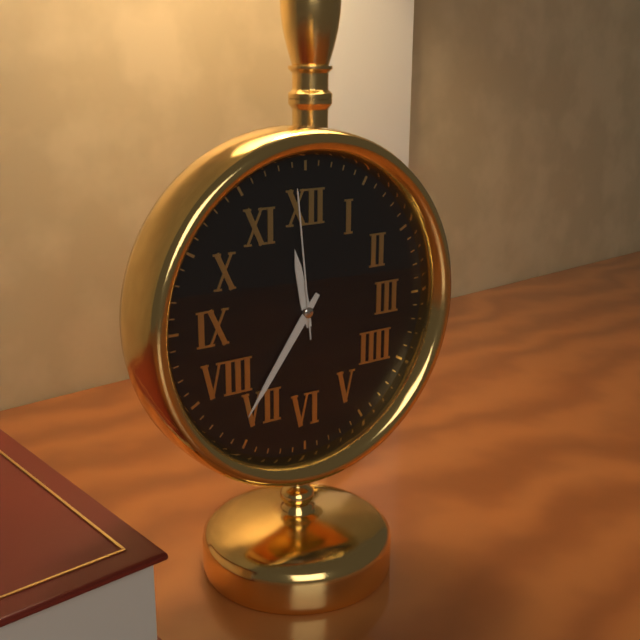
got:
h=11 m=36 s=59
